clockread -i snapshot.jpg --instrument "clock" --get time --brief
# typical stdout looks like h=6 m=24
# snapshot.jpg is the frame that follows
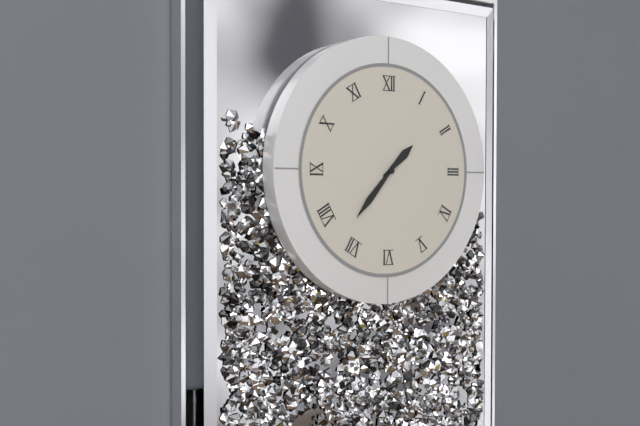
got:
h=1 m=37
